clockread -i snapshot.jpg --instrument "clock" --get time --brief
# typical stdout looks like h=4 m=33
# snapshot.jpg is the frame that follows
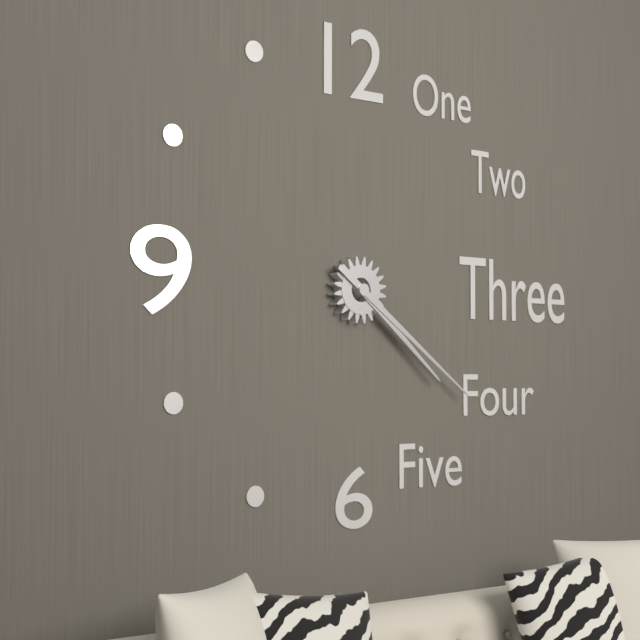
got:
h=4 m=21
